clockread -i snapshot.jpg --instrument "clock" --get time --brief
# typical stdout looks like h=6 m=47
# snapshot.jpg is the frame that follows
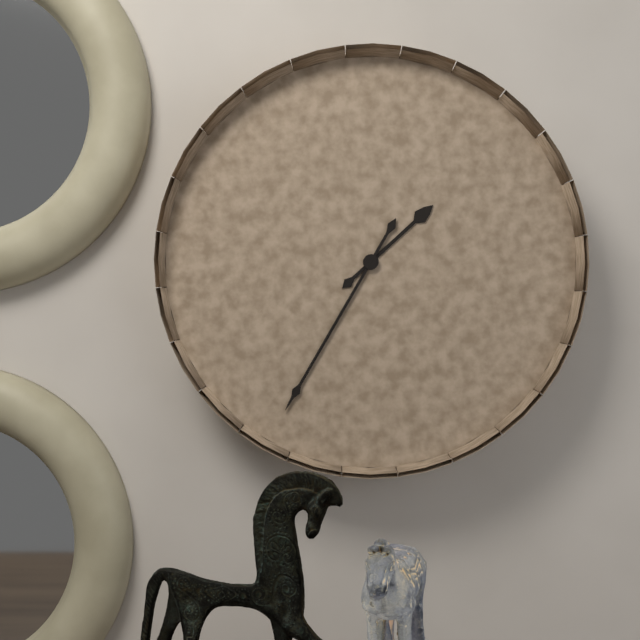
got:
h=1 m=35
